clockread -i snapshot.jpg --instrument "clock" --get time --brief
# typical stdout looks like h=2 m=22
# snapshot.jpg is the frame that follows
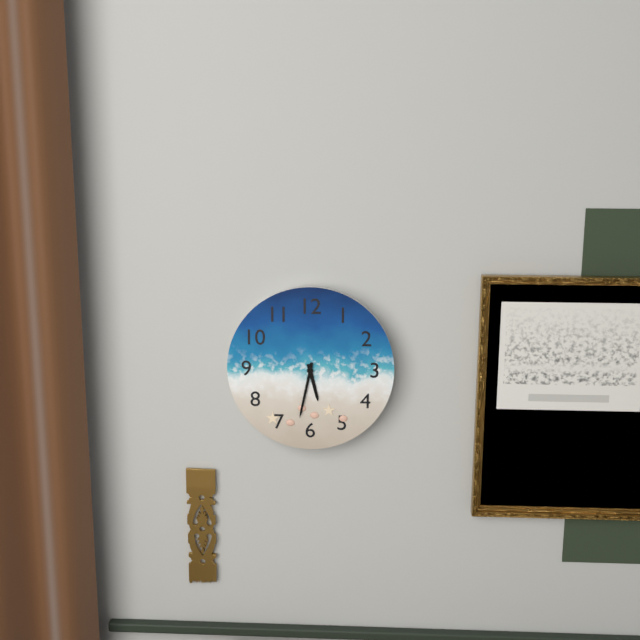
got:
h=5 m=32
